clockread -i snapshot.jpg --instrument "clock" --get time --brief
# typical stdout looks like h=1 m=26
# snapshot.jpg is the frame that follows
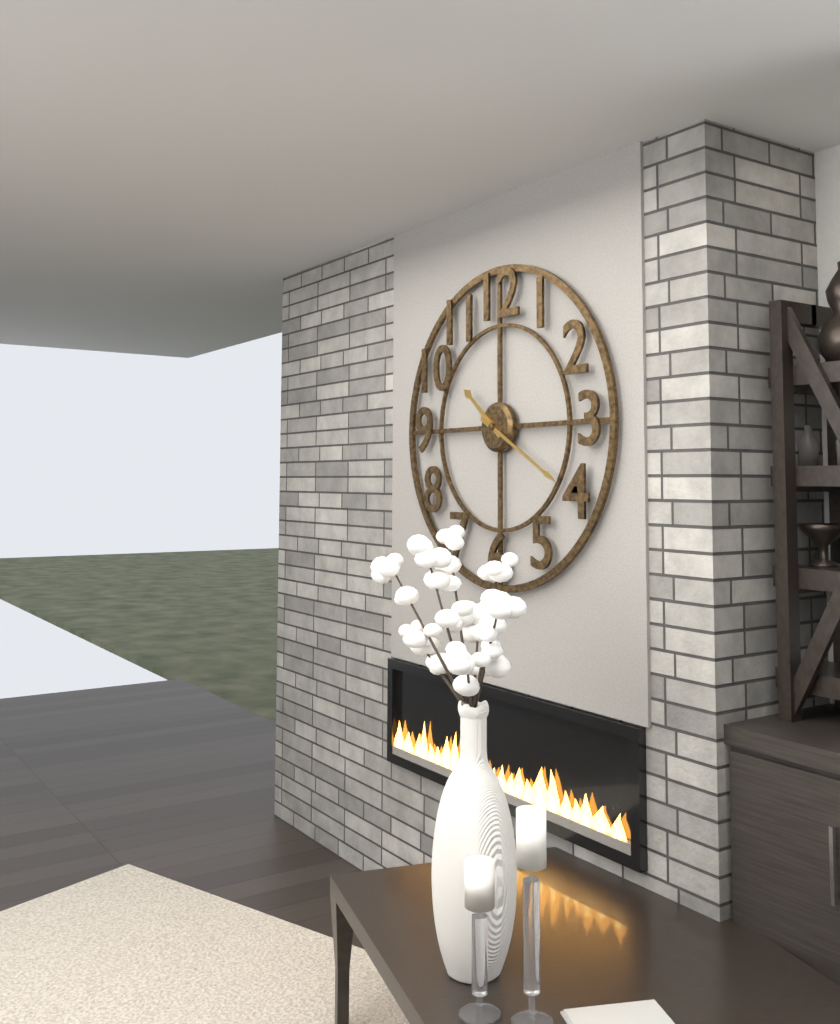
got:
h=10 m=20
